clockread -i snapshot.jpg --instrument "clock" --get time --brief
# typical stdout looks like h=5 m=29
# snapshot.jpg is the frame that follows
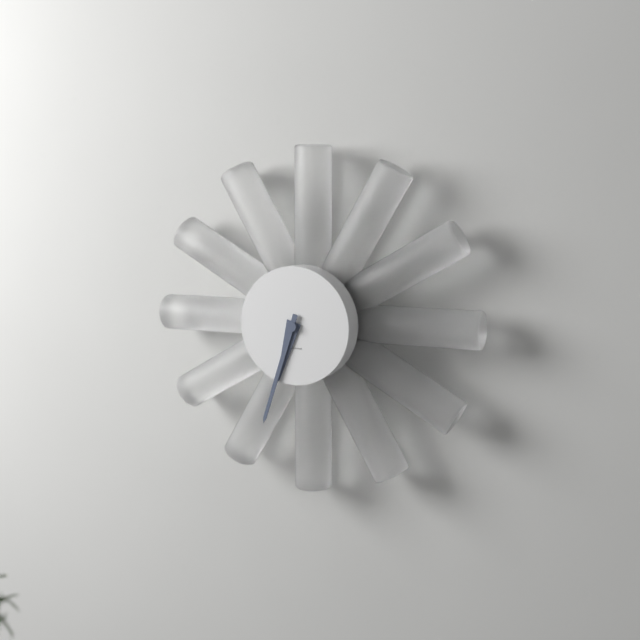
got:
h=6 m=33
